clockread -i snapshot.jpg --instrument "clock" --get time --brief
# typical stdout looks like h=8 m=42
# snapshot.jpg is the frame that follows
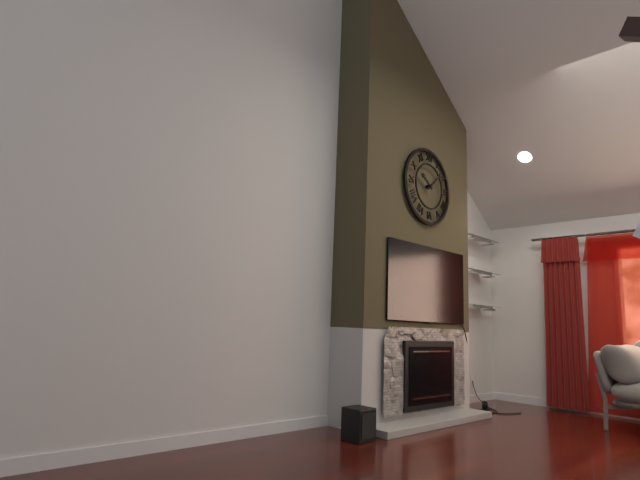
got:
h=10 m=8
